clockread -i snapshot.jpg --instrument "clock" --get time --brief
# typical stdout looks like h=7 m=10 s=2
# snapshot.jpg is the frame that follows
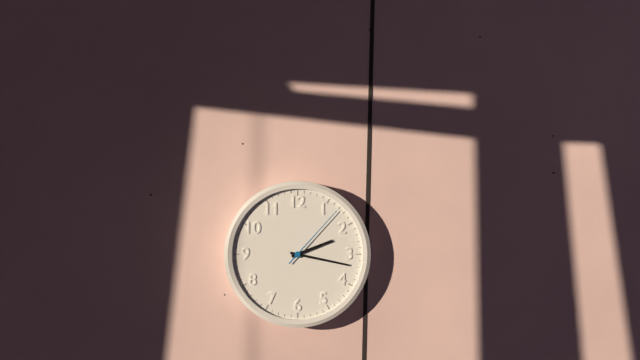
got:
h=2 m=17 s=7
